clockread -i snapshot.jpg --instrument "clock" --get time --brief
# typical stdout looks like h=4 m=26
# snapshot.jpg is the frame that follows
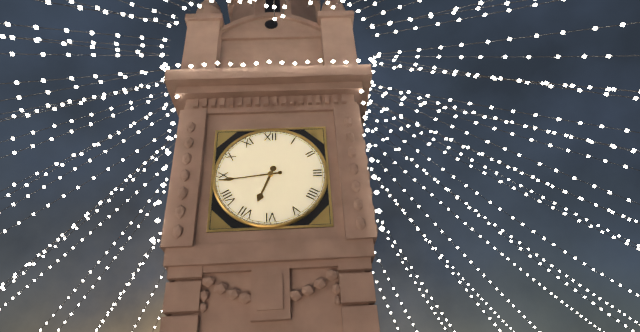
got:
h=6 m=44
